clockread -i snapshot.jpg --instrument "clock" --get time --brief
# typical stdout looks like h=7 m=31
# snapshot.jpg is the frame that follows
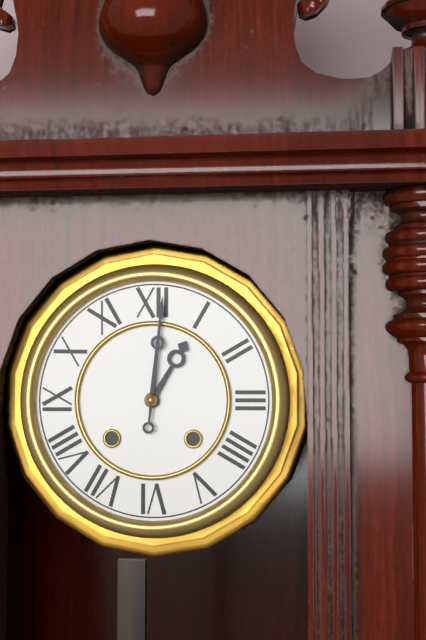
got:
h=1 m=1
